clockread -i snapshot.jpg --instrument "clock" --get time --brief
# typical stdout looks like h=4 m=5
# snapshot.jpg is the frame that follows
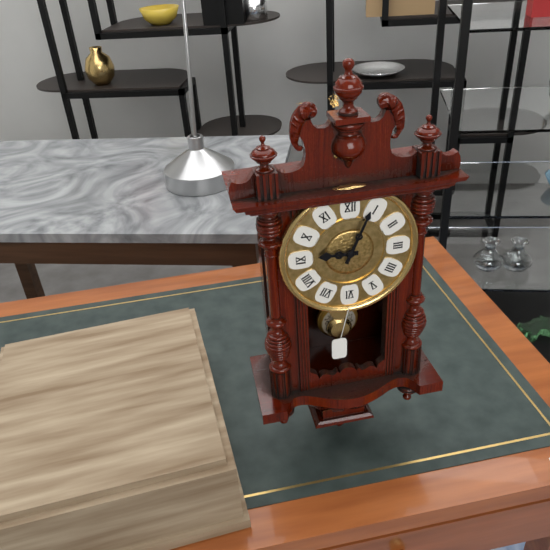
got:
h=9 m=4
